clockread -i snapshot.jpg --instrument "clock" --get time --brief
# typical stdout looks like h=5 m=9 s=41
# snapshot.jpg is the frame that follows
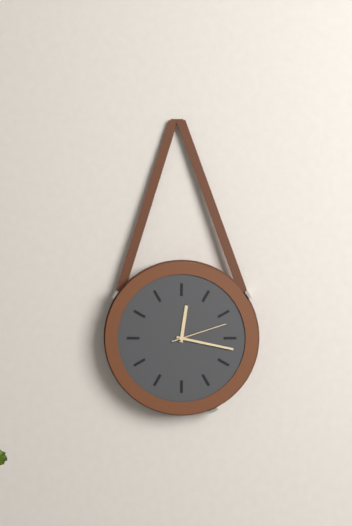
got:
h=12 m=17 s=12
